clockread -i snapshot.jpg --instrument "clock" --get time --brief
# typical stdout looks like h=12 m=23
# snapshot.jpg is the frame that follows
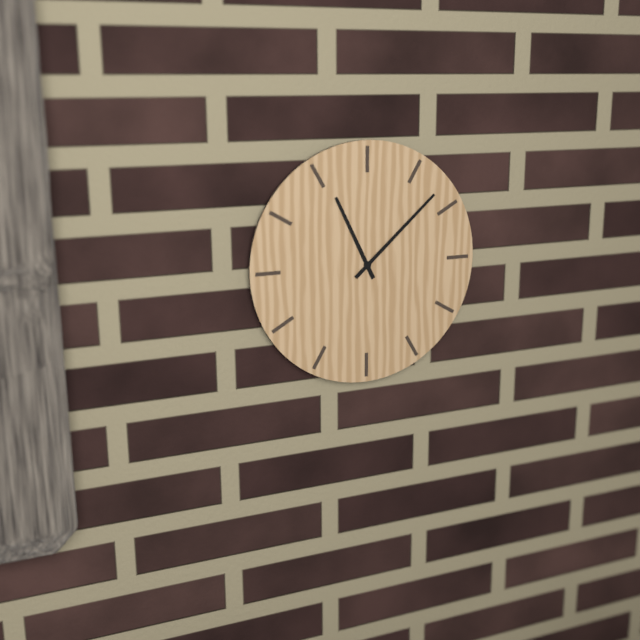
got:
h=11 m=8
